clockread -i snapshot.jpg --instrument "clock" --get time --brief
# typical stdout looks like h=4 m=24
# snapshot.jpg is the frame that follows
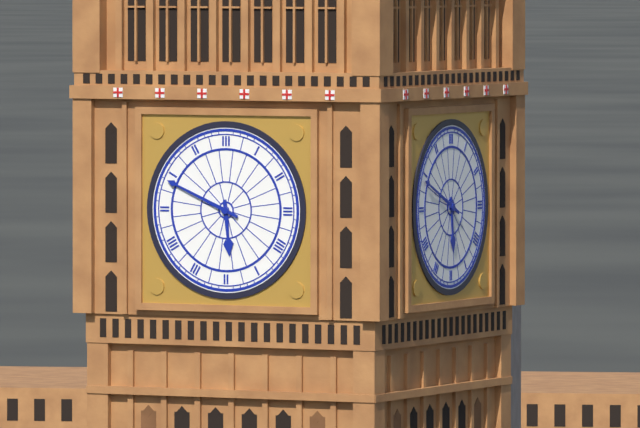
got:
h=5 m=49
